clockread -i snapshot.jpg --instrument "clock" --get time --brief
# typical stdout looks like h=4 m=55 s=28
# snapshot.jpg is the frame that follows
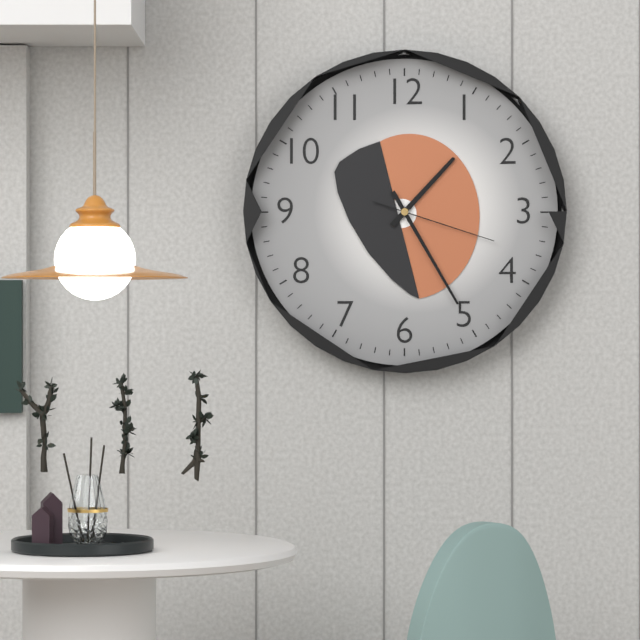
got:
h=1 m=25 s=18
